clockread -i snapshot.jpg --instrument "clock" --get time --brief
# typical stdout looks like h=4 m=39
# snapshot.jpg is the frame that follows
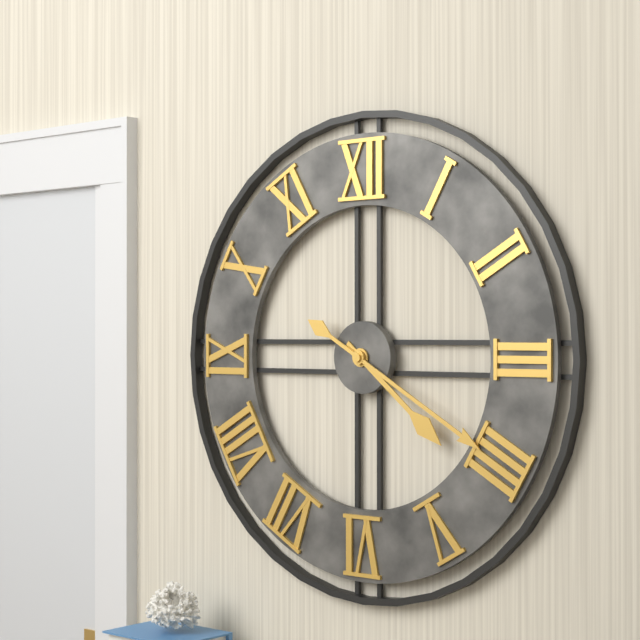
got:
h=4 m=20
